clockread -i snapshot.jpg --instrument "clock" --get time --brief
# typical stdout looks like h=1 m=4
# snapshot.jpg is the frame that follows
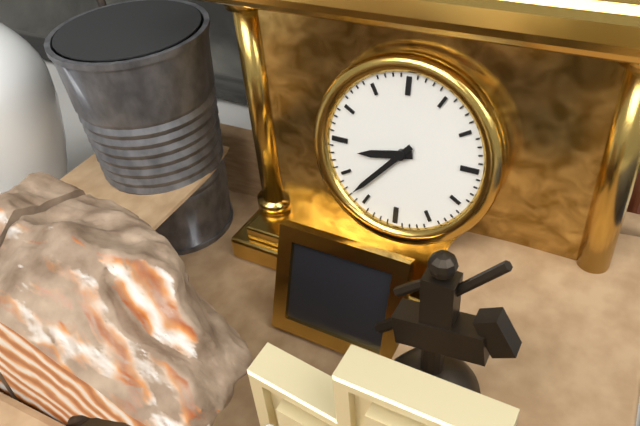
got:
h=8 m=37
